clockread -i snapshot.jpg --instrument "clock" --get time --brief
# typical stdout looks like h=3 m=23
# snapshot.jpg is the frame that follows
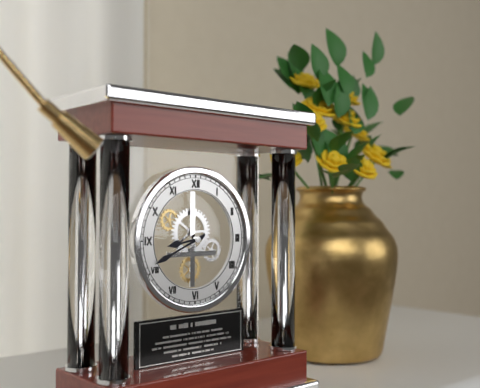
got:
h=8 m=41
